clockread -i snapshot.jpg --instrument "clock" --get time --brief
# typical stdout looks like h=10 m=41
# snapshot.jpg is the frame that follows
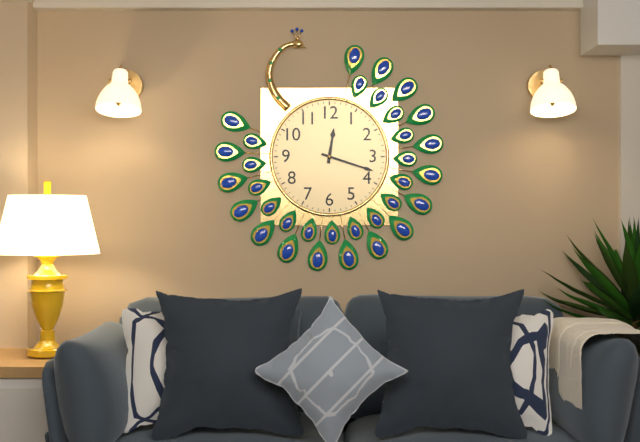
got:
h=12 m=18
